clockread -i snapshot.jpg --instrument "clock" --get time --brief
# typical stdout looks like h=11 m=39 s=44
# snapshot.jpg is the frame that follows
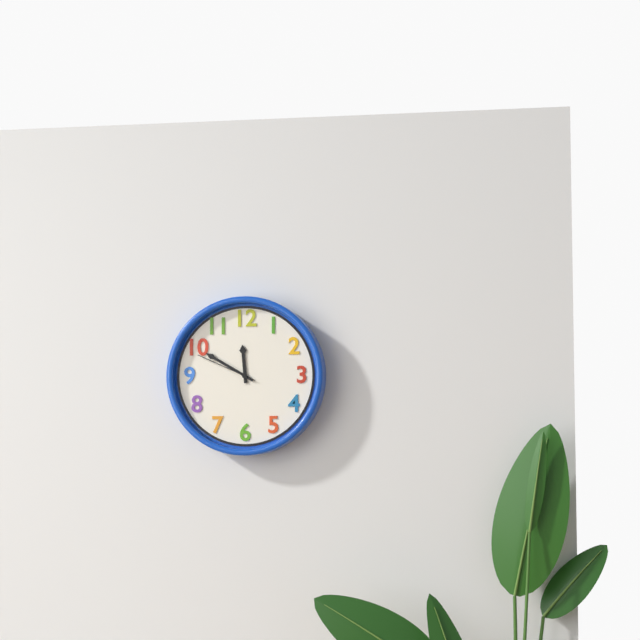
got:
h=11 m=50 s=49
